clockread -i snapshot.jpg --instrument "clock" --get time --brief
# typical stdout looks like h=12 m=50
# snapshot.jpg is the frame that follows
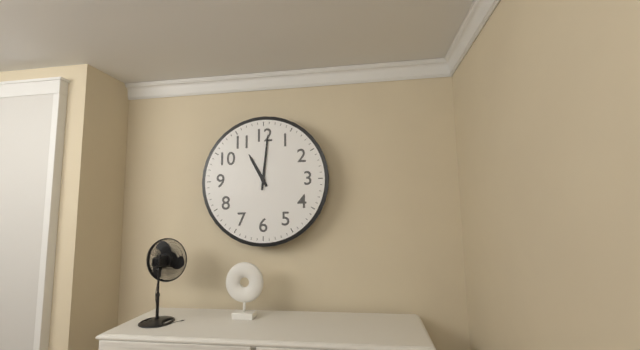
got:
h=11 m=1
